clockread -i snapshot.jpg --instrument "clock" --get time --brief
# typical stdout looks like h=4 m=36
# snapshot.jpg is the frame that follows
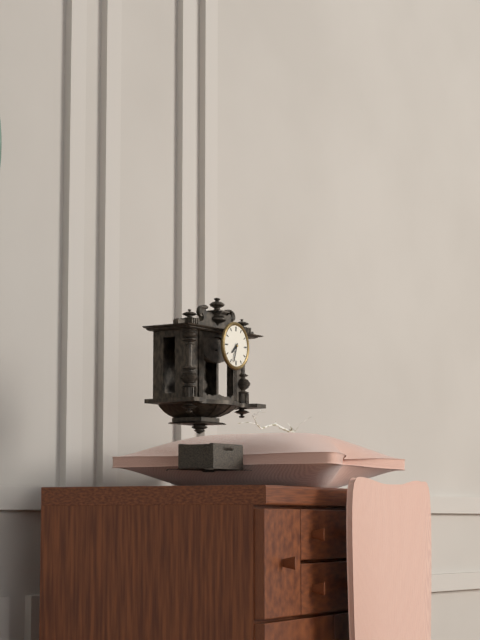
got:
h=7 m=33
